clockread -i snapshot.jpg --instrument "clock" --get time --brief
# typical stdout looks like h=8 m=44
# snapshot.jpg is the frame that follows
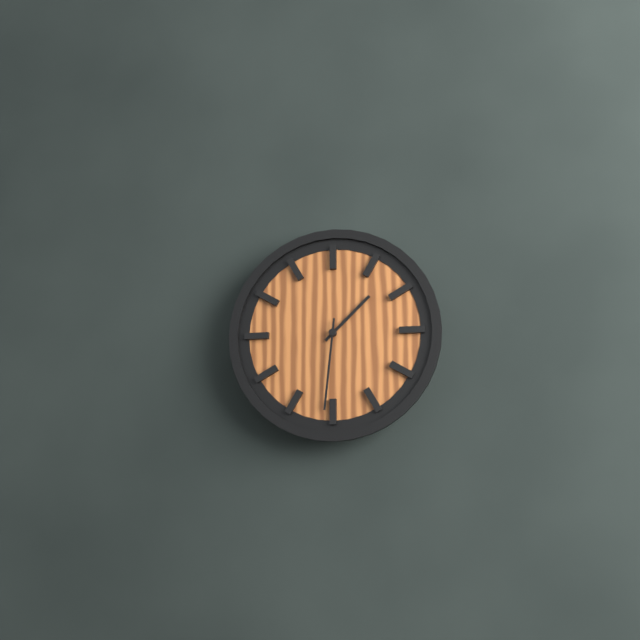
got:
h=1 m=31
